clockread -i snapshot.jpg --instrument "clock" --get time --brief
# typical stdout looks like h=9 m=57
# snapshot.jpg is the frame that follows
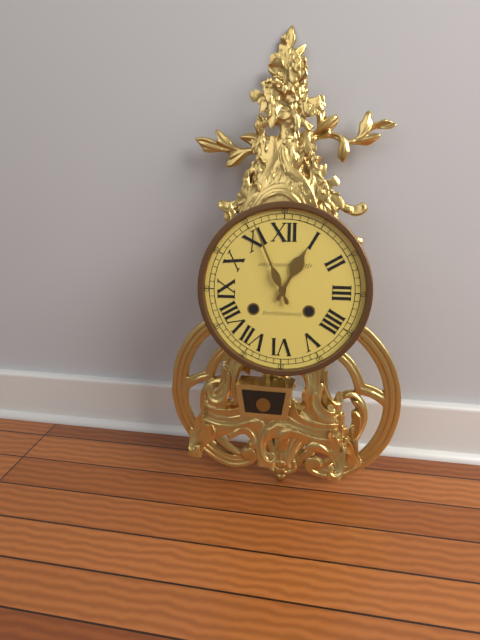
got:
h=12 m=56
